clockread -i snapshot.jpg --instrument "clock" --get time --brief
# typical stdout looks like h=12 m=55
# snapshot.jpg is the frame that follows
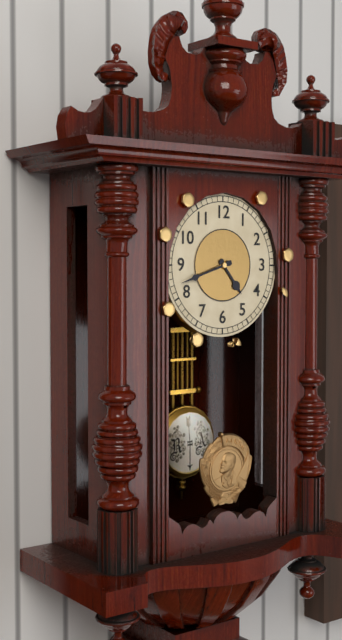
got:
h=4 m=42
